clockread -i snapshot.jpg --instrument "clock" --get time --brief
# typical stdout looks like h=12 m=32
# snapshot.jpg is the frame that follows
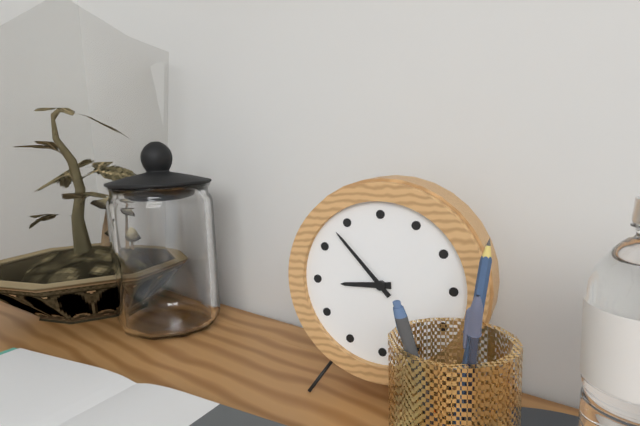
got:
h=8 m=53
